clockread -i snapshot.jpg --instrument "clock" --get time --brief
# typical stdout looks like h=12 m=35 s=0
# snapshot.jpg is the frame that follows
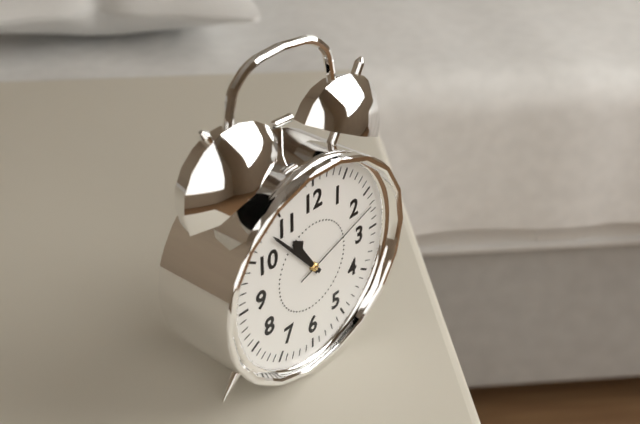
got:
h=10 m=53 s=12
